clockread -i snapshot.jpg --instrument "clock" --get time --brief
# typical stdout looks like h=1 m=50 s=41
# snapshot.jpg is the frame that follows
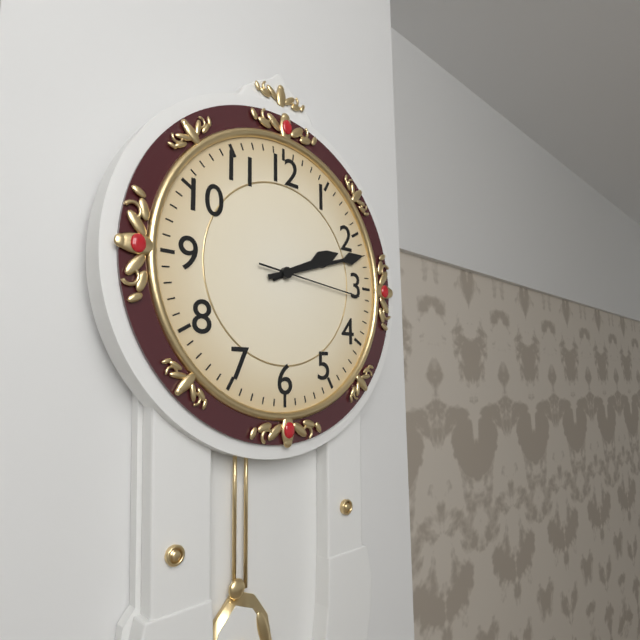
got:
h=2 m=12 s=16
